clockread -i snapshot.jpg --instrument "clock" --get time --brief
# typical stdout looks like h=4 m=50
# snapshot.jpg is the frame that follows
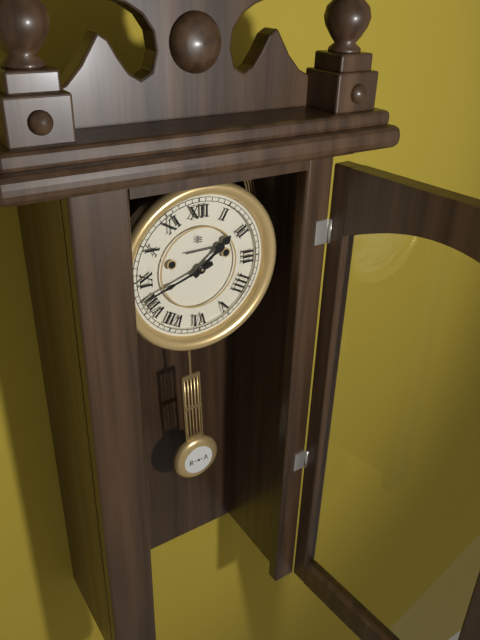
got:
h=1 m=42
